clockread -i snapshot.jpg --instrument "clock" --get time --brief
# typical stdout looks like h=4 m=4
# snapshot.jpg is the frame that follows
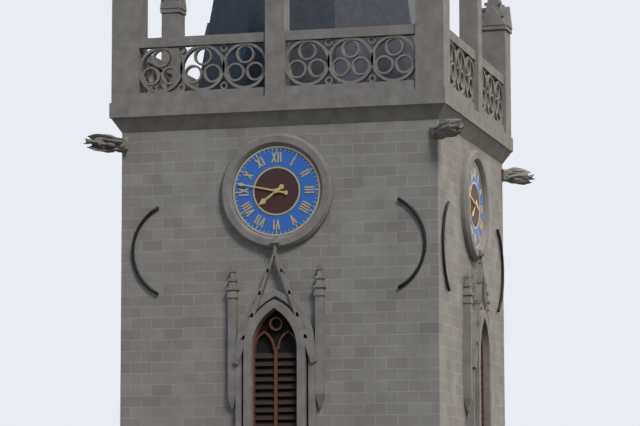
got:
h=7 m=47
